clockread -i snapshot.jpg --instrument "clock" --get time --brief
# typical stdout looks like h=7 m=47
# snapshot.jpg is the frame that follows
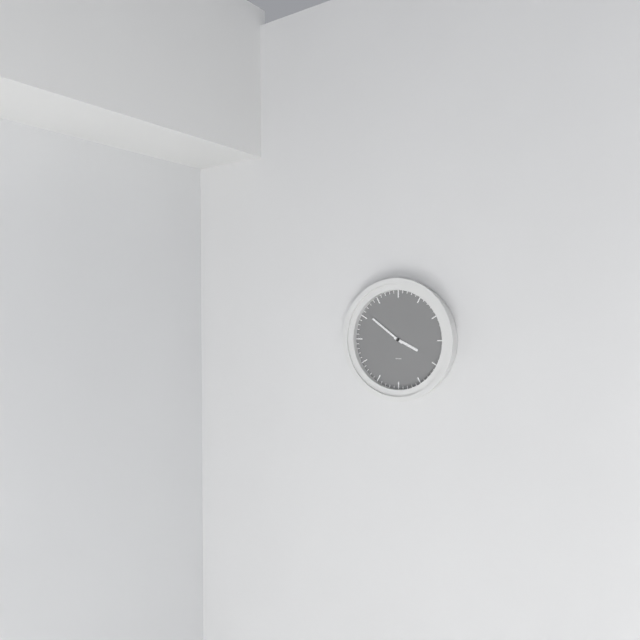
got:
h=3 m=51
